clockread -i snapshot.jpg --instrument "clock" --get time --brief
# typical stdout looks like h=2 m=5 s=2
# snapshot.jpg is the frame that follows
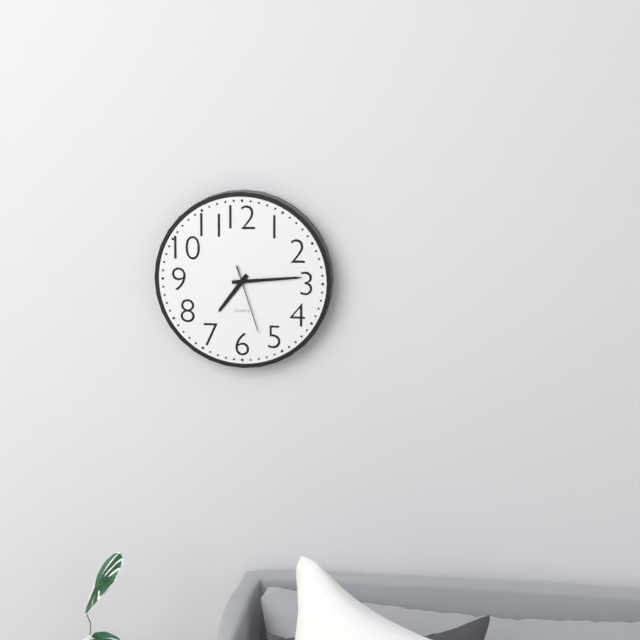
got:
h=7 m=14 s=27
